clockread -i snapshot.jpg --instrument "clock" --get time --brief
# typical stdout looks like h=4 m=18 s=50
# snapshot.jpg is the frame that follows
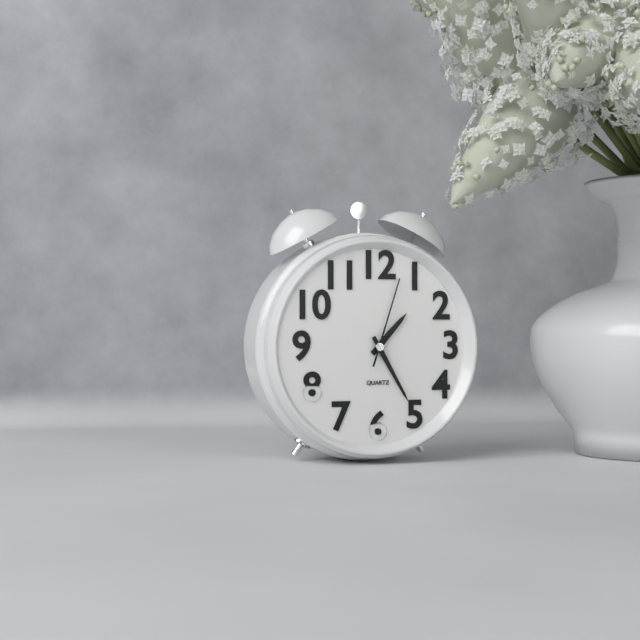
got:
h=1 m=25 s=3
